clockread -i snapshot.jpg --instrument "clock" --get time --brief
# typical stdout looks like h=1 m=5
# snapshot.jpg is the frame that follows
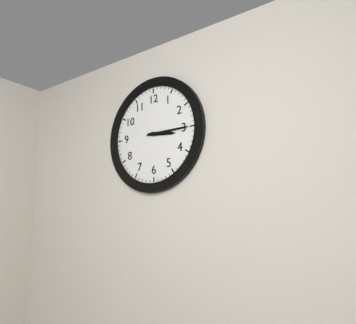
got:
h=3 m=15
